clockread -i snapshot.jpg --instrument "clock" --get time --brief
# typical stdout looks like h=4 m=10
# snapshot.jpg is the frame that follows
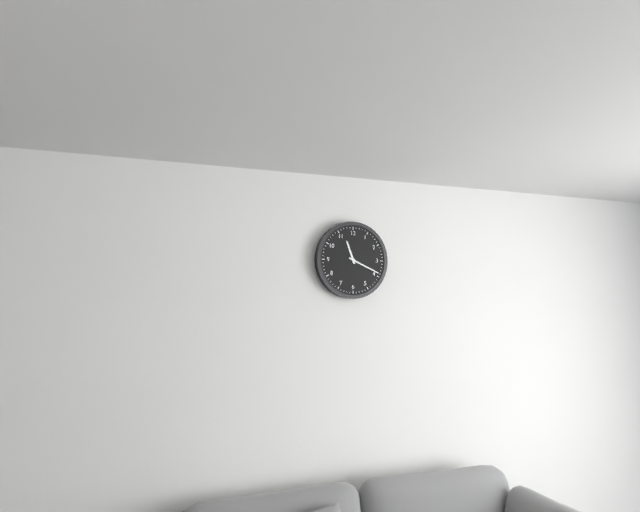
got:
h=11 m=19
